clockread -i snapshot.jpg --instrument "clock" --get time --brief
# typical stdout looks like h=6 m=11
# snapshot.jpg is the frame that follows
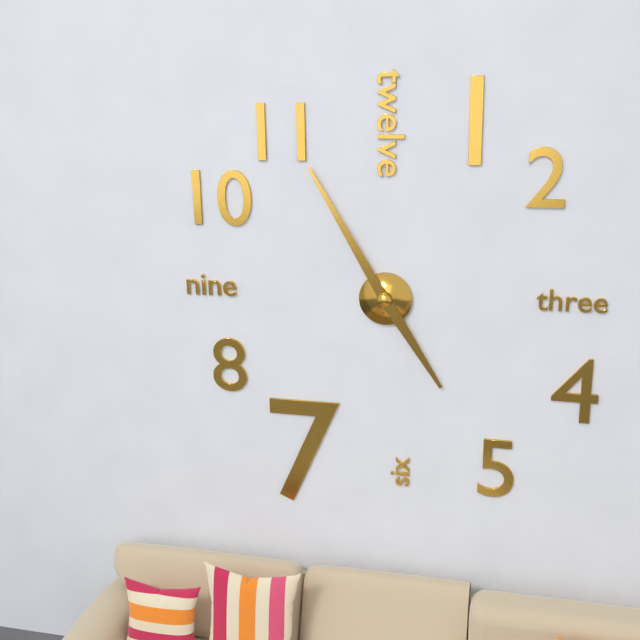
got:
h=4 m=55
